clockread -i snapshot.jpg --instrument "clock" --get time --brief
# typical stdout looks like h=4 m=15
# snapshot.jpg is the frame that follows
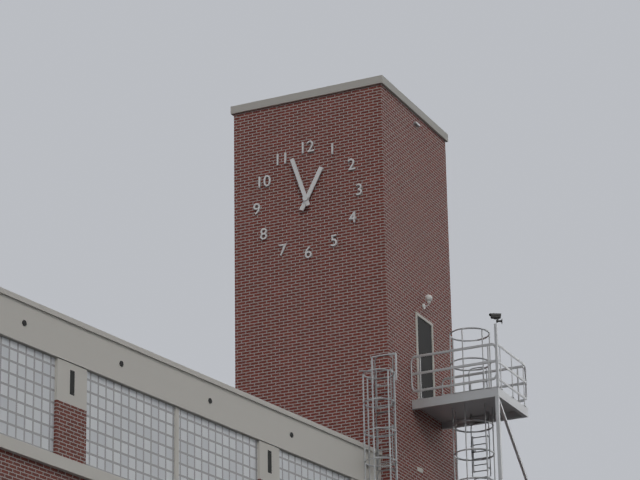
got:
h=12 m=57
